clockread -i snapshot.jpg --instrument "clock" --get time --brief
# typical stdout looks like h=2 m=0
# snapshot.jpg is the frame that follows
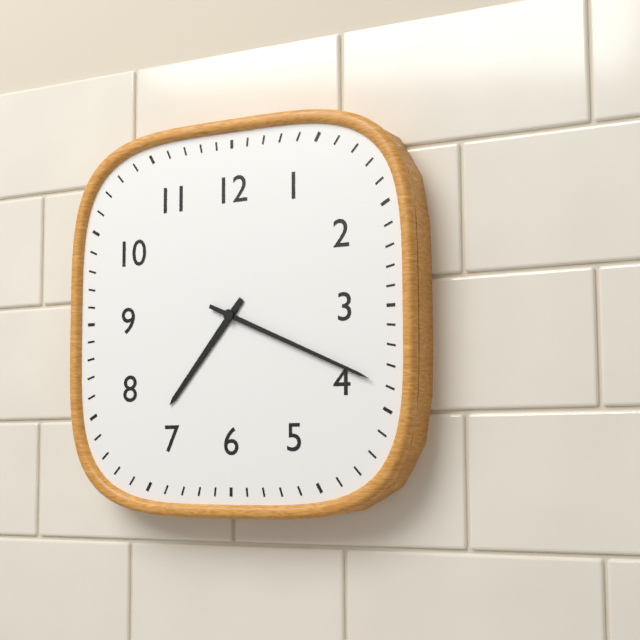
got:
h=7 m=19
